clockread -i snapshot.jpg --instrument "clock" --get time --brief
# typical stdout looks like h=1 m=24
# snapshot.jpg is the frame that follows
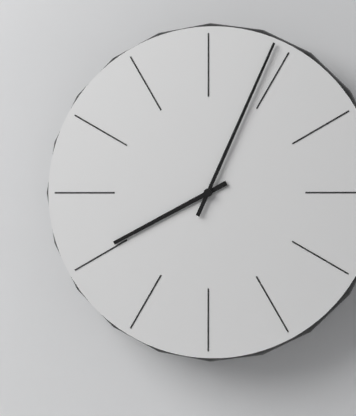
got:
h=8 m=4
